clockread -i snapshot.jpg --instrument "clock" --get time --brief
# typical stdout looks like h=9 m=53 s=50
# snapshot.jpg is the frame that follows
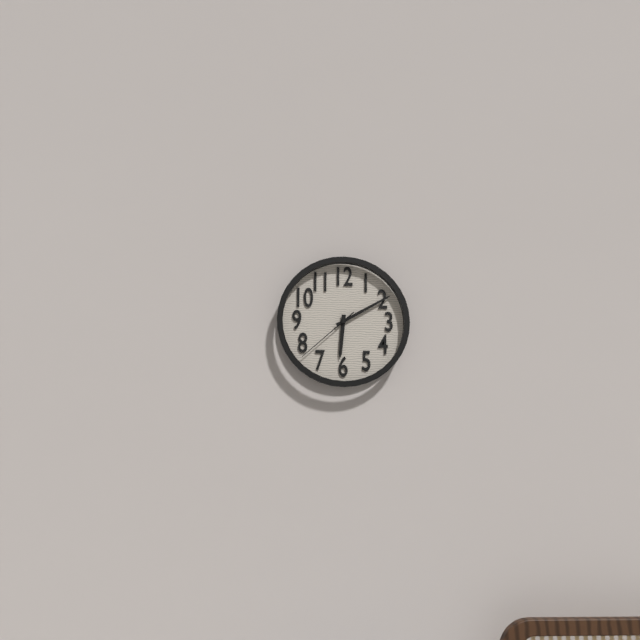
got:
h=6 m=10 s=38
